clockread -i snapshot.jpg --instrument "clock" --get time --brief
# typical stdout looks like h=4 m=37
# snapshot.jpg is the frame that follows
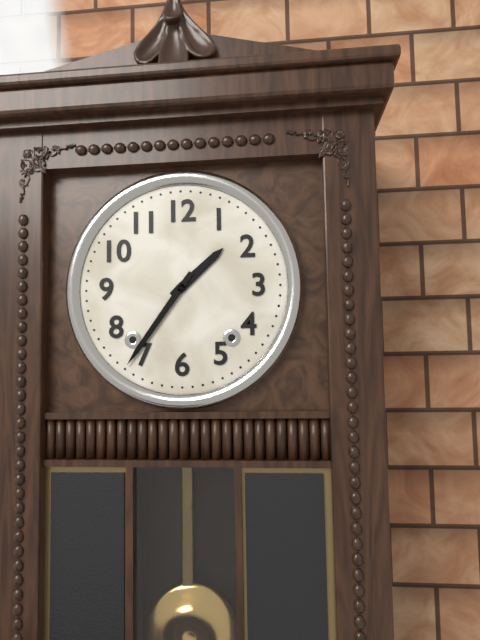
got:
h=1 m=36
